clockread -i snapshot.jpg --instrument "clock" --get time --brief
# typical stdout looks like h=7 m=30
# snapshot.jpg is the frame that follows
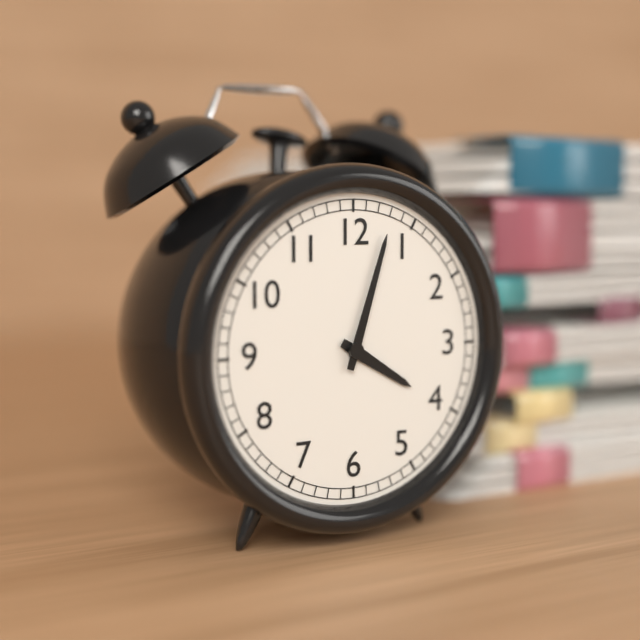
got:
h=4 m=3
